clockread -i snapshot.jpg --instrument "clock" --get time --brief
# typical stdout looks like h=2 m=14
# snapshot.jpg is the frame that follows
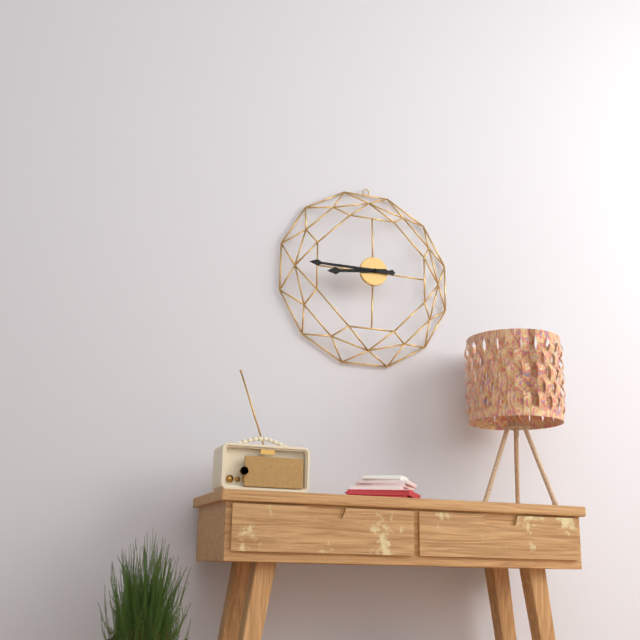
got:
h=8 m=45
